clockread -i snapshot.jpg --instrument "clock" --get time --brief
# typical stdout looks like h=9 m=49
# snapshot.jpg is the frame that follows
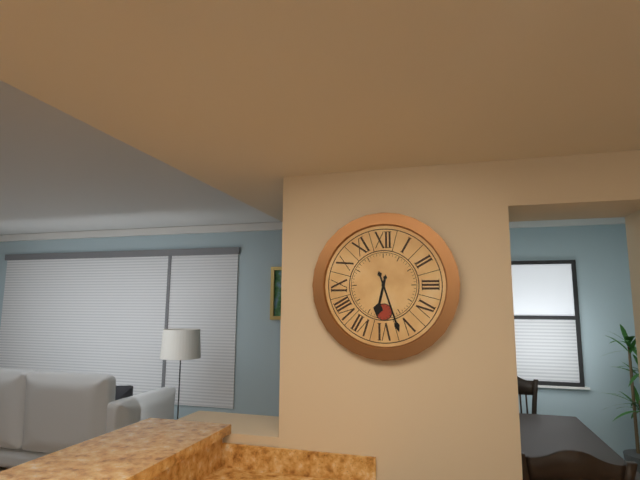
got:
h=6 m=27
